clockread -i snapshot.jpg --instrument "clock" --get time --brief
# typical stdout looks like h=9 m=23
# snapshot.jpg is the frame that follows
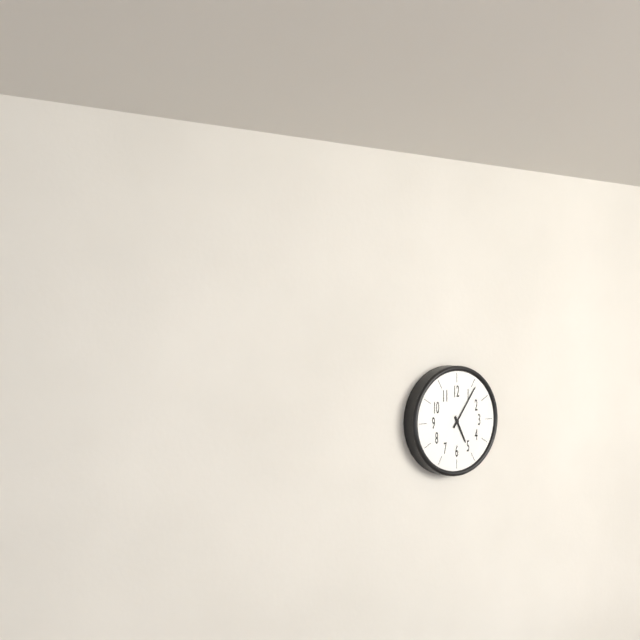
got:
h=5 m=6
